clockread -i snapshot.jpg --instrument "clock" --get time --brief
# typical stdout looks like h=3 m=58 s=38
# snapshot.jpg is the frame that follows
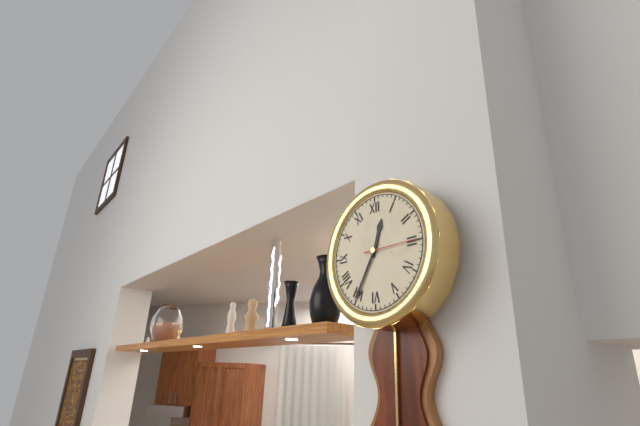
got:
h=12 m=35 s=15
